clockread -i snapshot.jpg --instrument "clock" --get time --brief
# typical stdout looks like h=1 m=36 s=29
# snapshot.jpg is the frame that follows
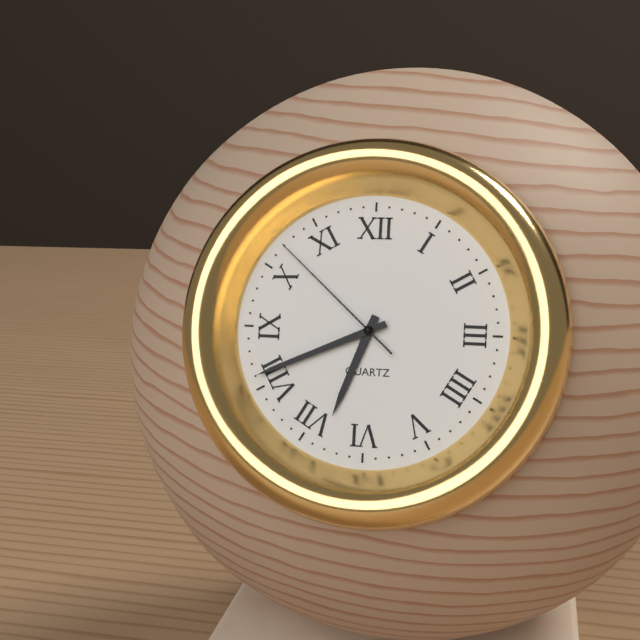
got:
h=6 m=41 s=52
